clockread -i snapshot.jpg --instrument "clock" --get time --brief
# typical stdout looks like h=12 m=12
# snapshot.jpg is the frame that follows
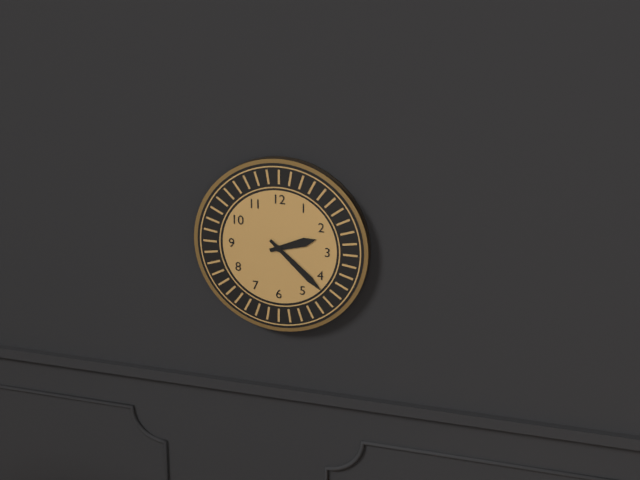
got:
h=2 m=22
